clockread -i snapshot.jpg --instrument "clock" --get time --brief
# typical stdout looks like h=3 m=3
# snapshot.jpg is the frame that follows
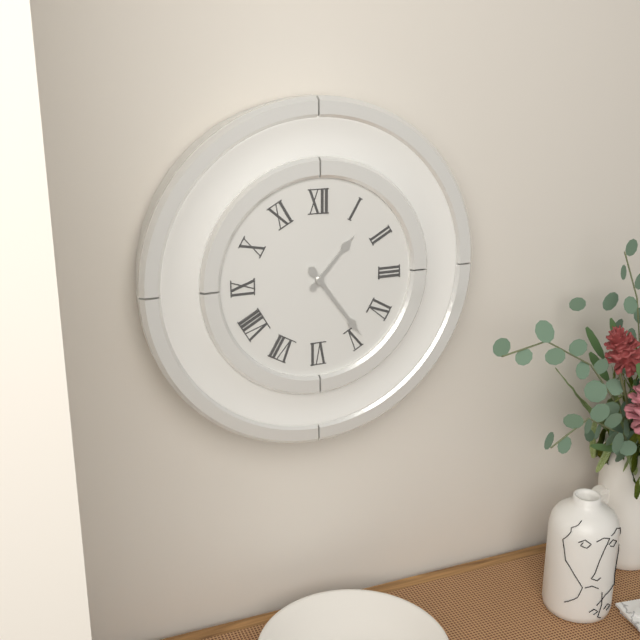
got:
h=1 m=24
